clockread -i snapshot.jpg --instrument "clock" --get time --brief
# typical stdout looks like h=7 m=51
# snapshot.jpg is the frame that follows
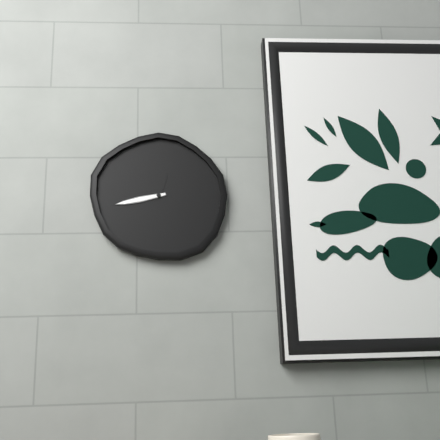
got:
h=12 m=43
